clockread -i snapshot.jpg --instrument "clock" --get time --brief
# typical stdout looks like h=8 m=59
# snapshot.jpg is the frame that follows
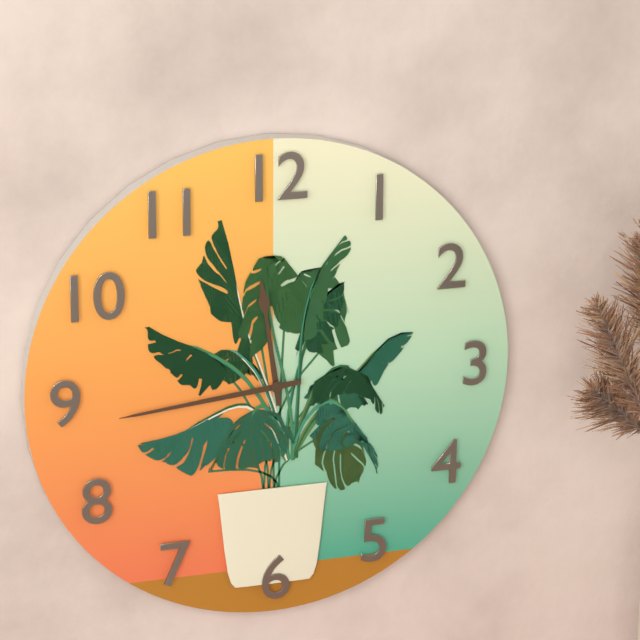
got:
h=11 m=44
